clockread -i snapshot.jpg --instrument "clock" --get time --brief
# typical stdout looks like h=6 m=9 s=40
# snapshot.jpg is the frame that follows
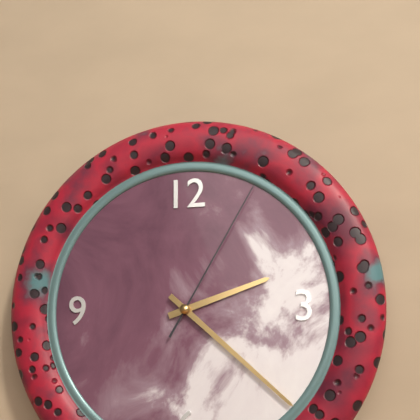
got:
h=2 m=22 s=5
